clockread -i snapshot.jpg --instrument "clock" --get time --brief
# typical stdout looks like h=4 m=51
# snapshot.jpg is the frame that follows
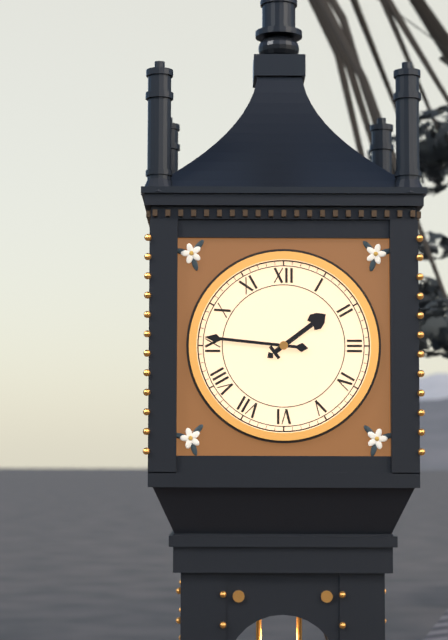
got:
h=1 m=46
